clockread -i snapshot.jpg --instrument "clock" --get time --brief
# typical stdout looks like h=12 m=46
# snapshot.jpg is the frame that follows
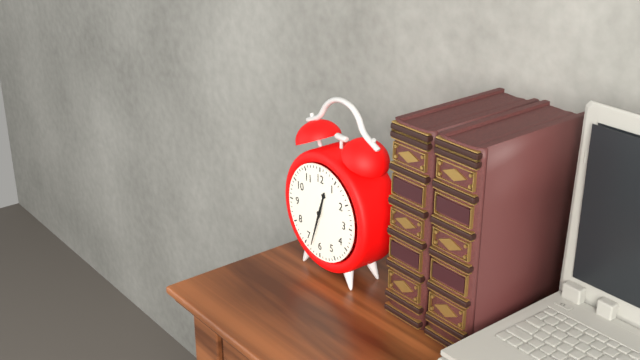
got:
h=12 m=33
